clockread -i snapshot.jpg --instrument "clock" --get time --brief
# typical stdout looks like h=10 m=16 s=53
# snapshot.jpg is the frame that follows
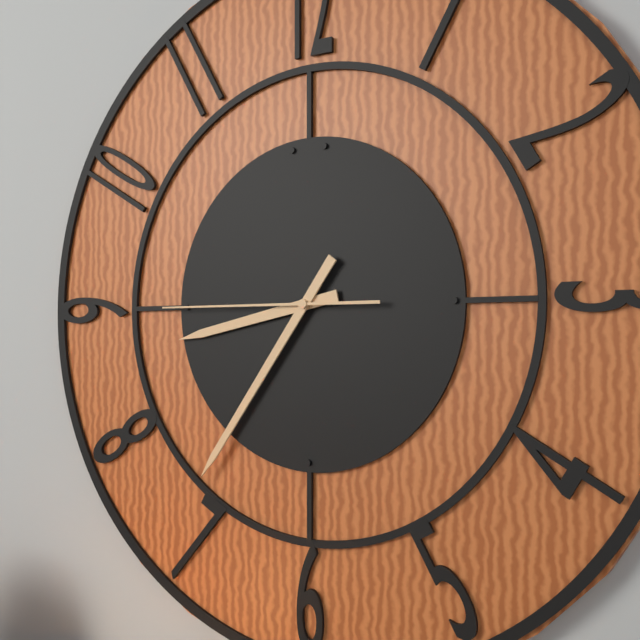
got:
h=8 m=36 s=45
